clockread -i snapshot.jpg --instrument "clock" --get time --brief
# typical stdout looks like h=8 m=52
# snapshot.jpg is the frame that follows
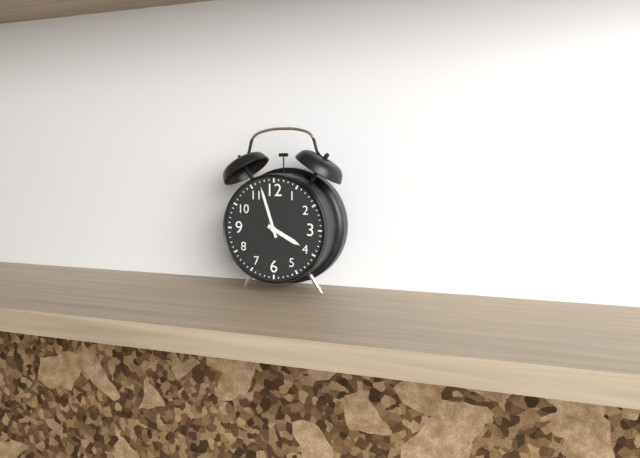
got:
h=3 m=57
